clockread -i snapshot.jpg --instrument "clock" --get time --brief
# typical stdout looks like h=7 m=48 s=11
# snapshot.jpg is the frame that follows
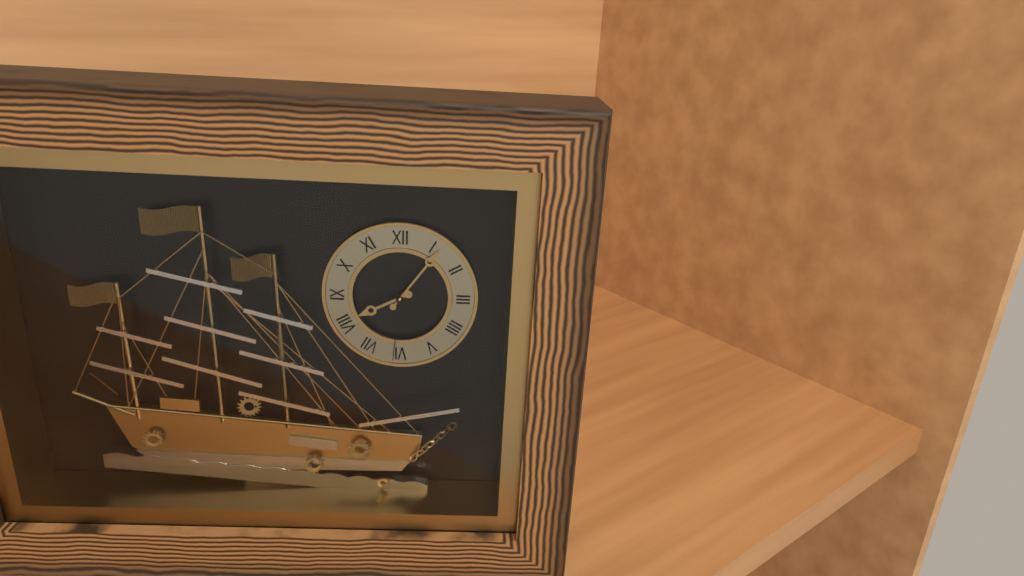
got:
h=8 m=6 s=31
